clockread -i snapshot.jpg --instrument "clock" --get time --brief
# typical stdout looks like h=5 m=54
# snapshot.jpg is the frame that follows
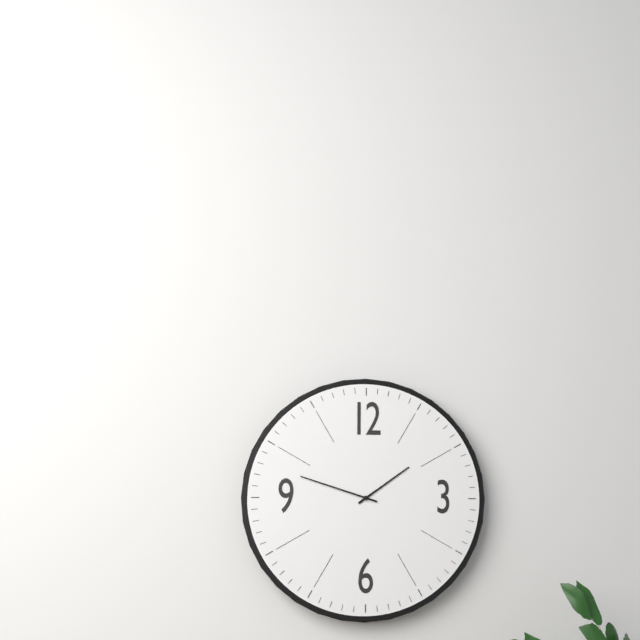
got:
h=1 m=48
